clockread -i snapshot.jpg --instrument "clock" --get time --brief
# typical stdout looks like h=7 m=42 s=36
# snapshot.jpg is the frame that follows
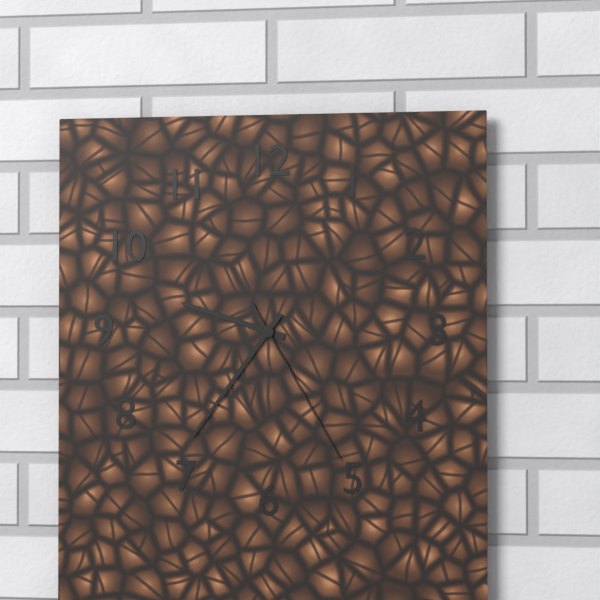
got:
h=9 m=36 s=25
